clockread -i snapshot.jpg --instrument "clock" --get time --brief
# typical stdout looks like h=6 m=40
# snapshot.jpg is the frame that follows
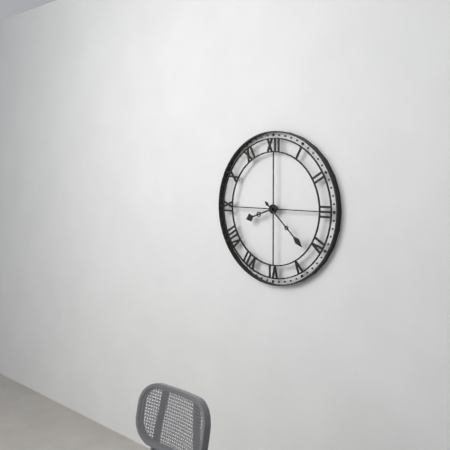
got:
h=8 m=22
